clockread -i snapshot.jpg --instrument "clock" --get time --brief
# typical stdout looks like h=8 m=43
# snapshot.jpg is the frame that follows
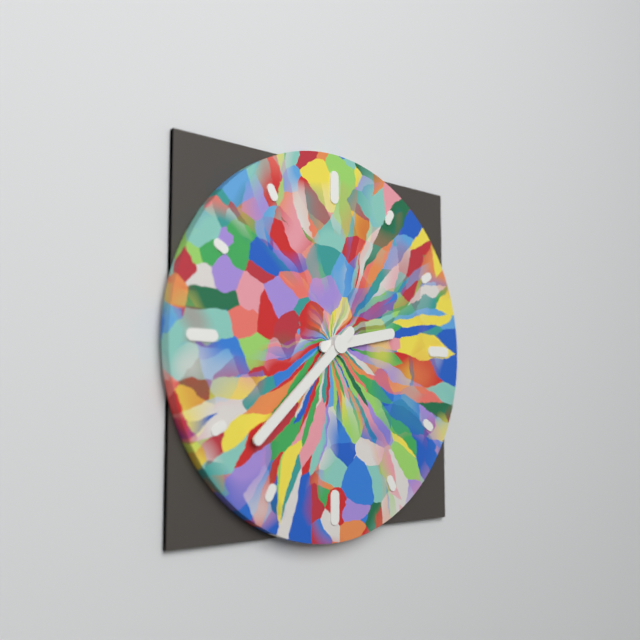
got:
h=2 m=38
